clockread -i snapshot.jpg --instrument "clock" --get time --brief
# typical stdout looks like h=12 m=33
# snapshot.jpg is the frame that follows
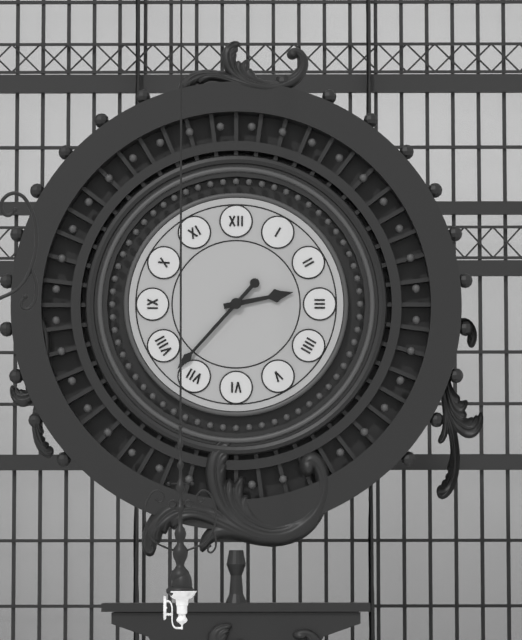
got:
h=2 m=37
